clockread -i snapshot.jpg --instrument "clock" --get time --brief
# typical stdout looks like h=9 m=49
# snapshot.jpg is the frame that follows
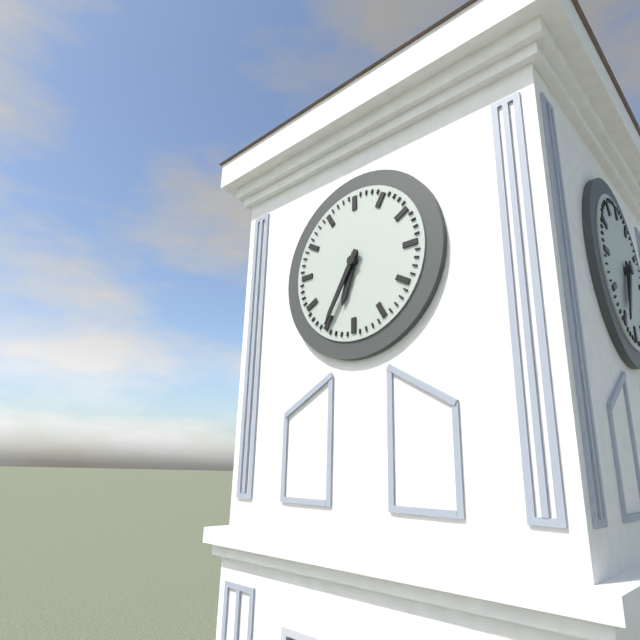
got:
h=6 m=35
